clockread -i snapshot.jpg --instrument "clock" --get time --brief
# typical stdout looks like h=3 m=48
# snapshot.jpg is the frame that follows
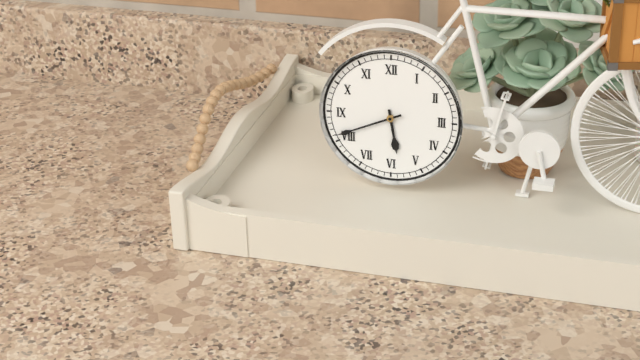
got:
h=5 m=41
